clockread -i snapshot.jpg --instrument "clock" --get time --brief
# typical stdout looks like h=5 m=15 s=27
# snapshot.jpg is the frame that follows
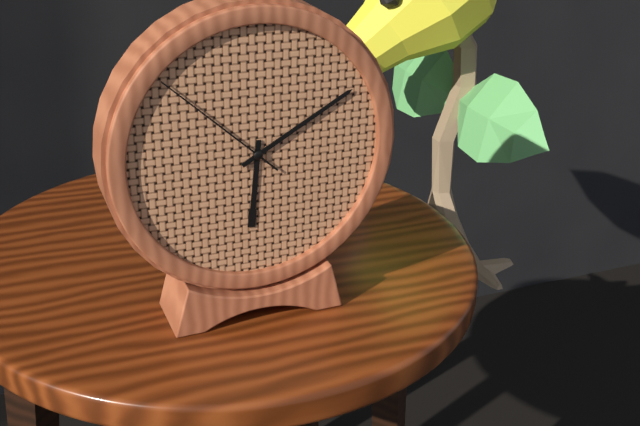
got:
h=6 m=10 s=52
